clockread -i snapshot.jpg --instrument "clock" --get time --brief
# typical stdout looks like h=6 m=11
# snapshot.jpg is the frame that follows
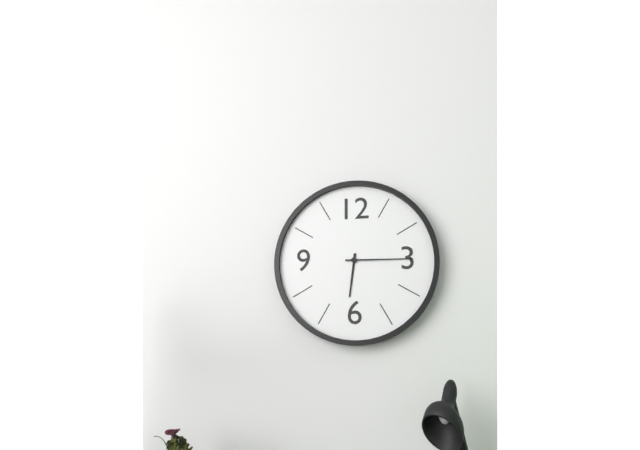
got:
h=6 m=15
